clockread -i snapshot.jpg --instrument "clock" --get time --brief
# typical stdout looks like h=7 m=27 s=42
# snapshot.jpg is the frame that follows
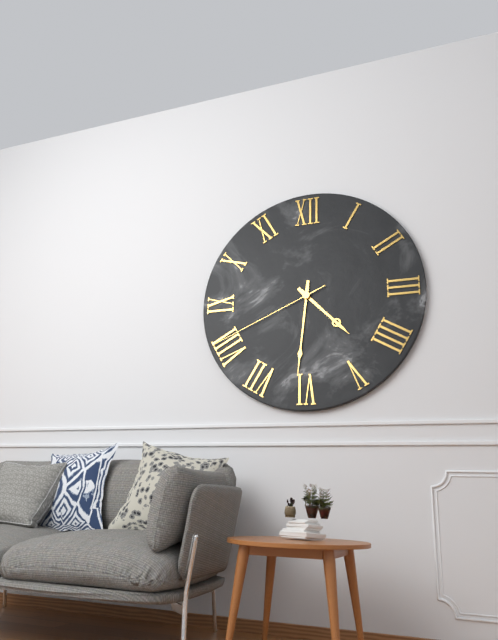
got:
h=4 m=31 s=41
